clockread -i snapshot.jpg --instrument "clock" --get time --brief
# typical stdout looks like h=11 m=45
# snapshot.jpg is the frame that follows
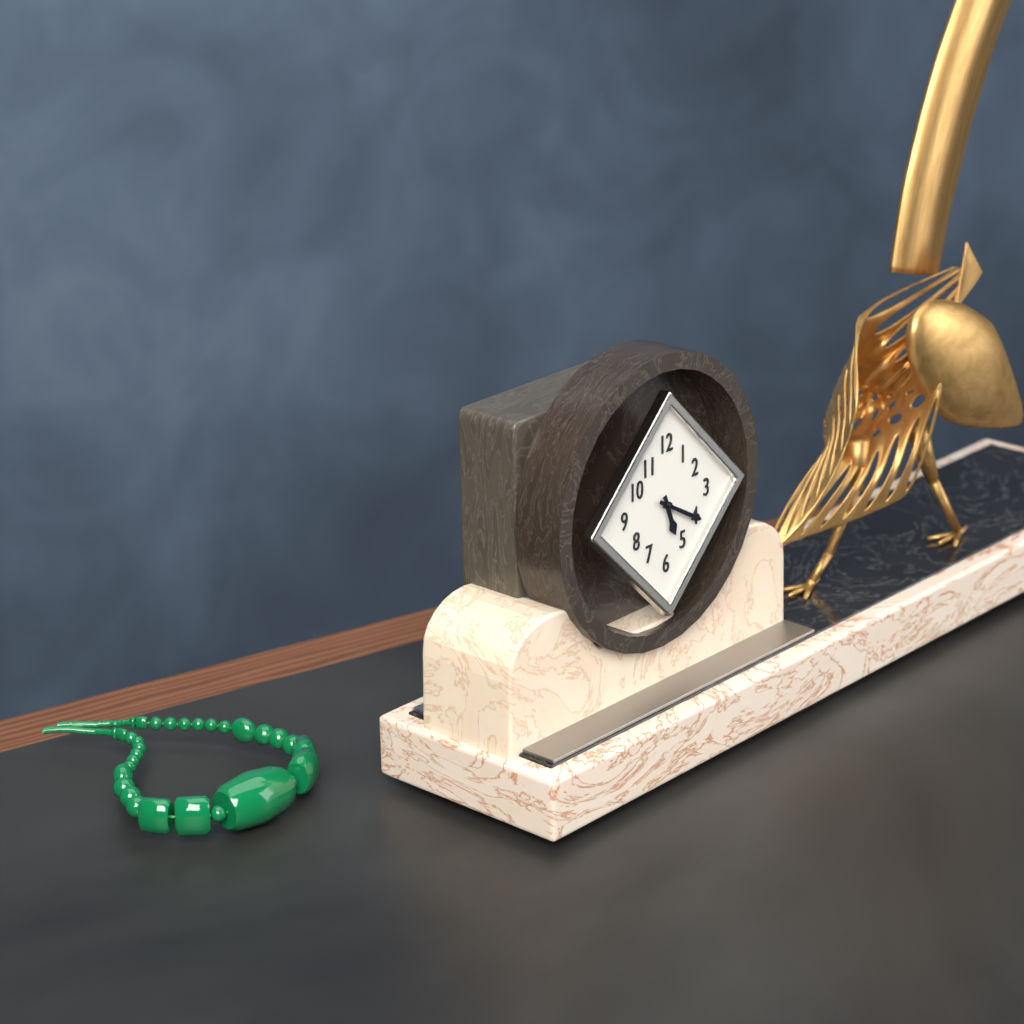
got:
h=5 m=20
